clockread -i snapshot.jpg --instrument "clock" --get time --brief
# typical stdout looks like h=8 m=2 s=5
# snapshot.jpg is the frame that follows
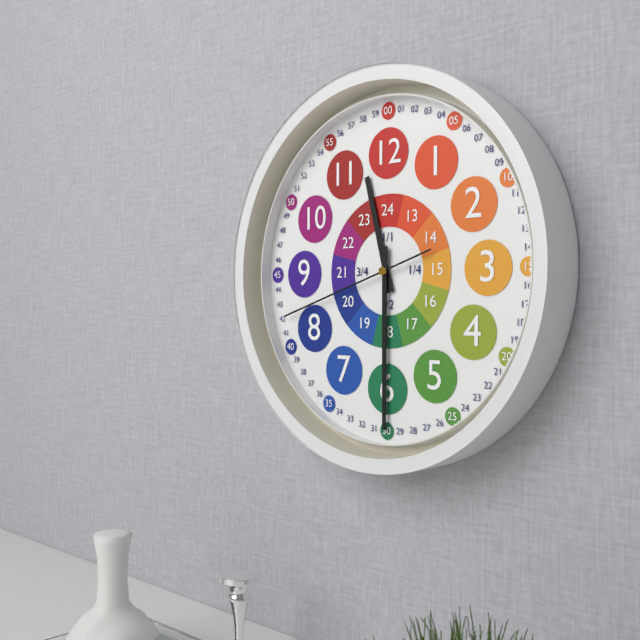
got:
h=11 m=30 s=42
